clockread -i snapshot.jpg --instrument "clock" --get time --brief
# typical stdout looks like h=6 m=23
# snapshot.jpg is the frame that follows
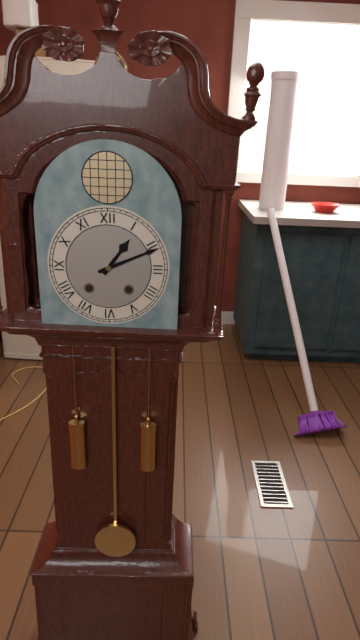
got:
h=1 m=11
